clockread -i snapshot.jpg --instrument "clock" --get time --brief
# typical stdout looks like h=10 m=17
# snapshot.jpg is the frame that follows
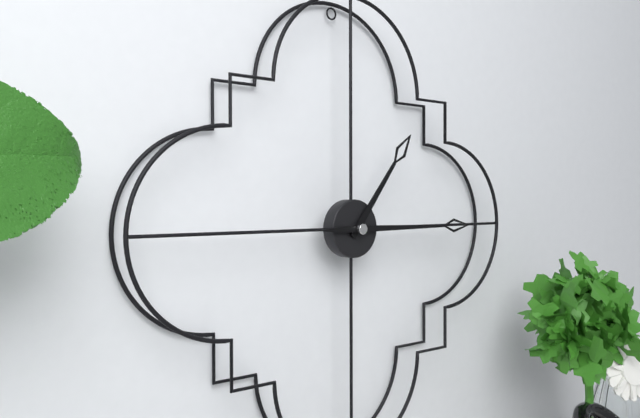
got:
h=1 m=15
